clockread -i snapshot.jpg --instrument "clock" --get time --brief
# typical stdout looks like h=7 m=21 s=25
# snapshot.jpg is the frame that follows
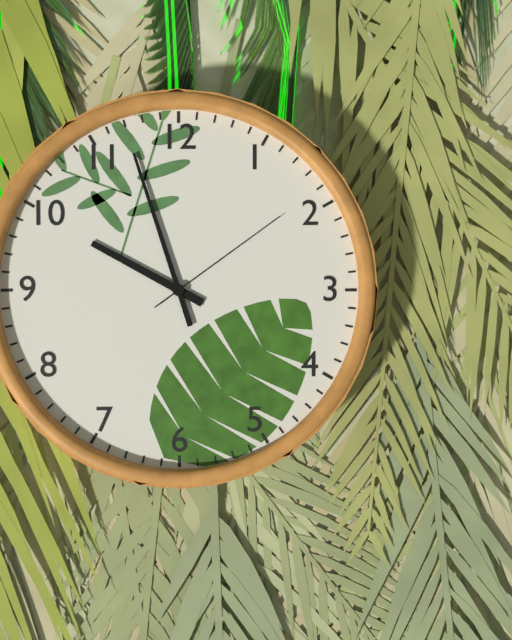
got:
h=9 m=57 s=9
